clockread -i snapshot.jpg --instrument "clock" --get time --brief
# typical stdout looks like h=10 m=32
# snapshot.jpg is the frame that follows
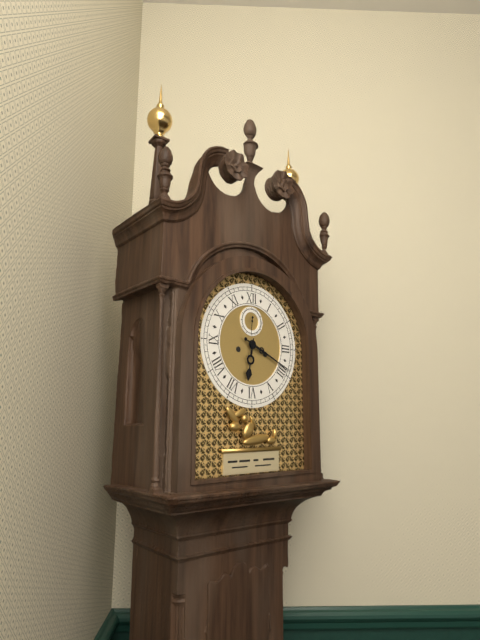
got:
h=6 m=19
